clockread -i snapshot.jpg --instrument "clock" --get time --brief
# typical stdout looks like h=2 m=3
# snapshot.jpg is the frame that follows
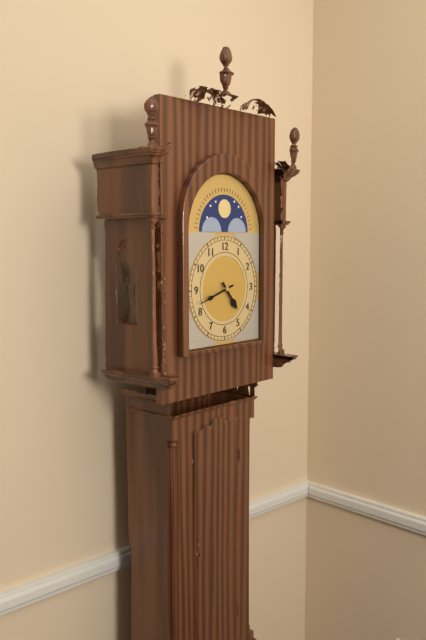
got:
h=4 m=42
